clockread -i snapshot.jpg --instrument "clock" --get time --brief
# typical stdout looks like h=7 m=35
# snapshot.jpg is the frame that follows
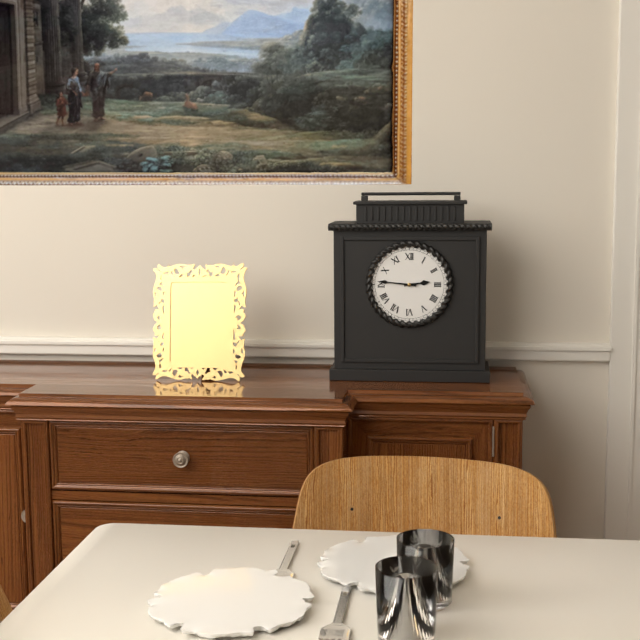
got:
h=2 m=46
